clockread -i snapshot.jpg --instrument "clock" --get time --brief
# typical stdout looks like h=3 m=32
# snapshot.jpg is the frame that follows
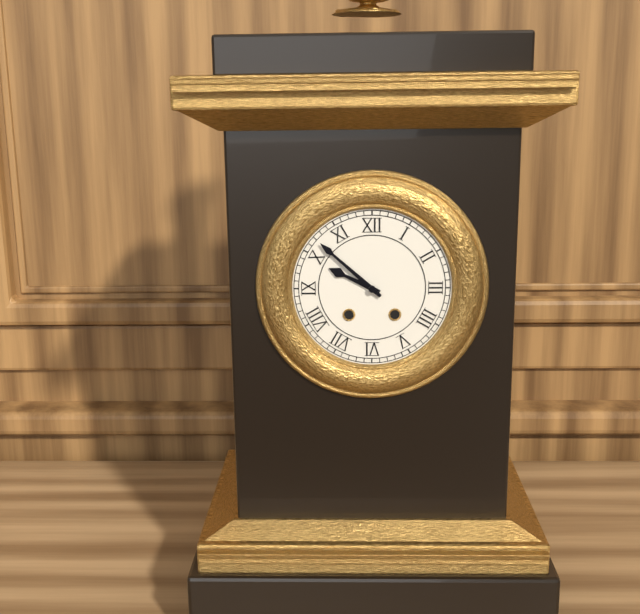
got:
h=9 m=52
